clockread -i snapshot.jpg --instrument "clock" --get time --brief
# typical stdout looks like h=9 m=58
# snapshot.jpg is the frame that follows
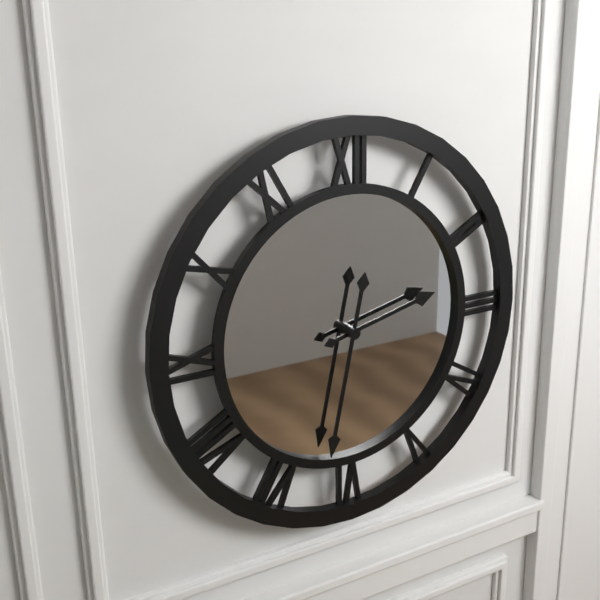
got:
h=2 m=32
